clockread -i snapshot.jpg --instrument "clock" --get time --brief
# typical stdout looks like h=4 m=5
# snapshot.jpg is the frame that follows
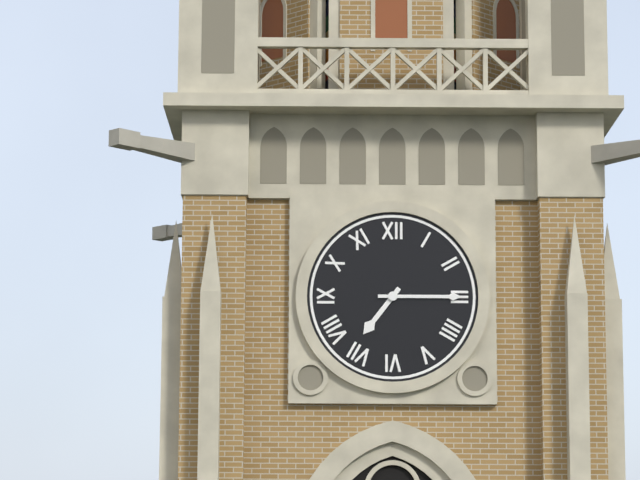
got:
h=7 m=15
